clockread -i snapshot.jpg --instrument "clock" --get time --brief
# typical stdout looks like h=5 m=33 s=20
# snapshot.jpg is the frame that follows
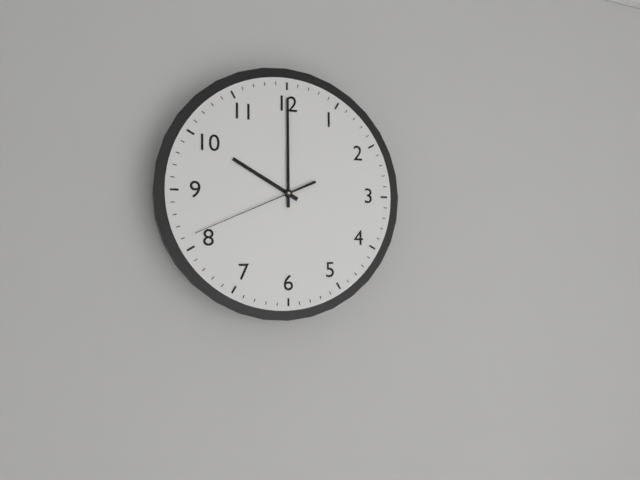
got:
h=10 m=0 s=41
